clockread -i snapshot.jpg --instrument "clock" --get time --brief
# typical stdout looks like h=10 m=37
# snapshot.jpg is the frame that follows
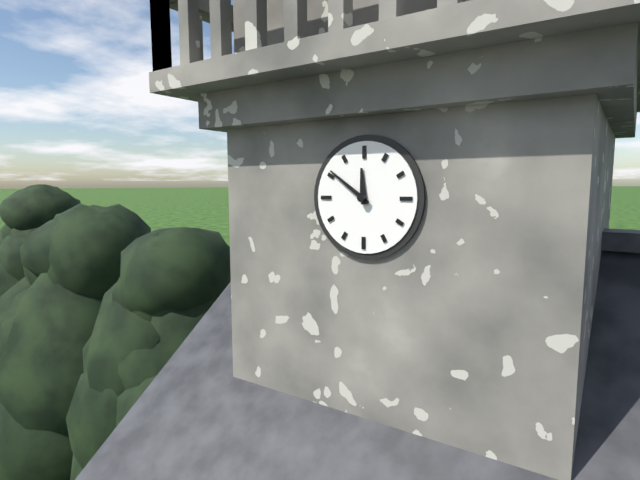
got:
h=11 m=51
